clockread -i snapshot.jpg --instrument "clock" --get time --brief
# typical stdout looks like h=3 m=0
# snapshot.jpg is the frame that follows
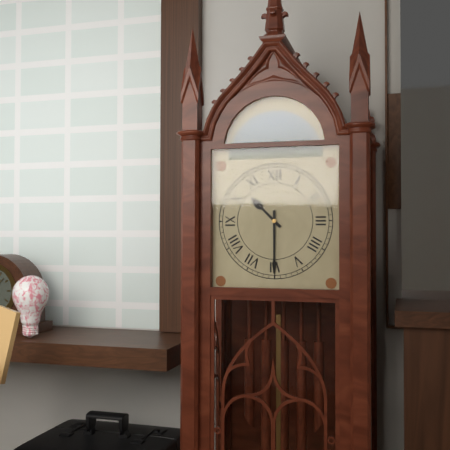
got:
h=10 m=30
